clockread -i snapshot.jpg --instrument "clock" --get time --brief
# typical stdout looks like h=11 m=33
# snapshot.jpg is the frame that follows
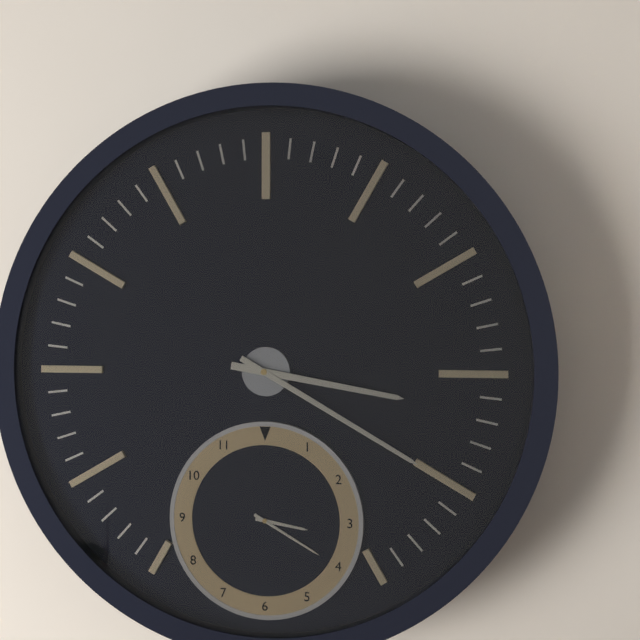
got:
h=3 m=20
